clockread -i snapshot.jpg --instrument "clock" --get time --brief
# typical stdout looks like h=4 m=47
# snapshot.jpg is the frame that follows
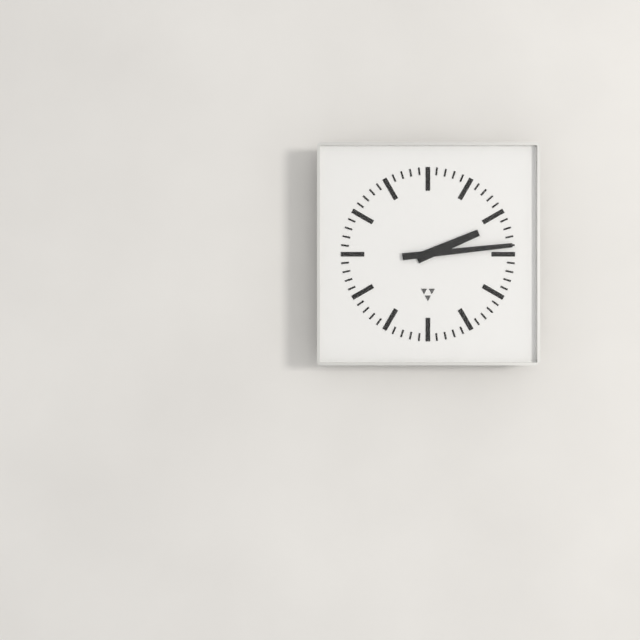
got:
h=2 m=14
